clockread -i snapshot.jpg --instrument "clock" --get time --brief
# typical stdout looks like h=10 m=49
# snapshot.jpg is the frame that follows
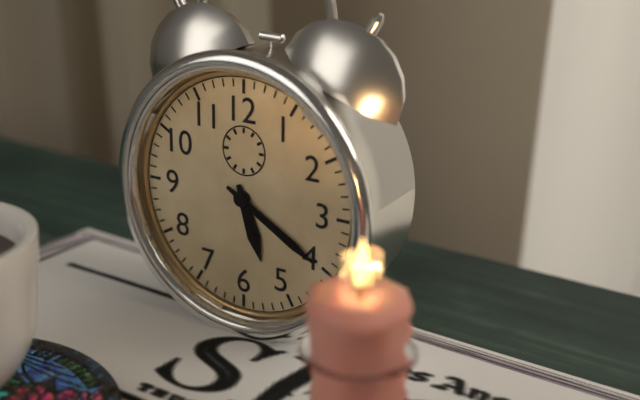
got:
h=5 m=20
